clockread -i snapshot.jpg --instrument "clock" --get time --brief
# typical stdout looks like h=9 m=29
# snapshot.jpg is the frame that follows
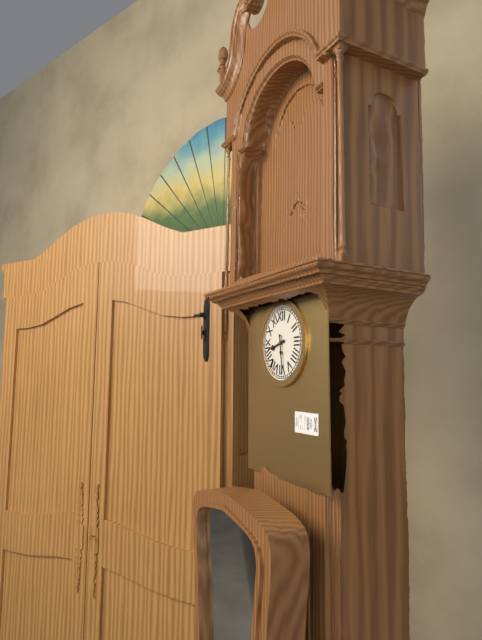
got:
h=8 m=29
